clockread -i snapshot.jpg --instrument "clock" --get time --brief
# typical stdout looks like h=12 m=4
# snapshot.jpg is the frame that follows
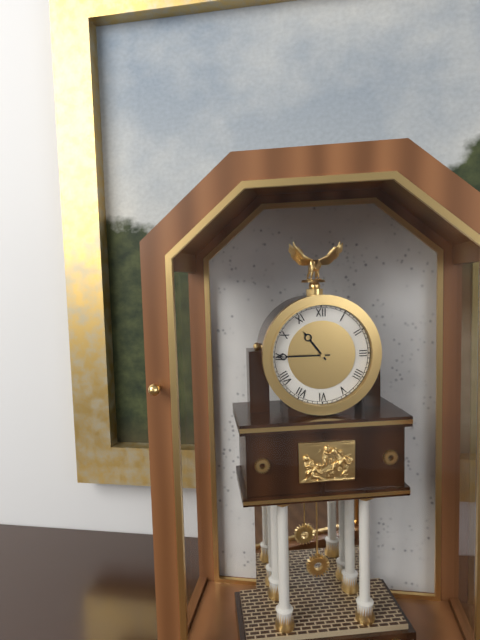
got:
h=10 m=45
